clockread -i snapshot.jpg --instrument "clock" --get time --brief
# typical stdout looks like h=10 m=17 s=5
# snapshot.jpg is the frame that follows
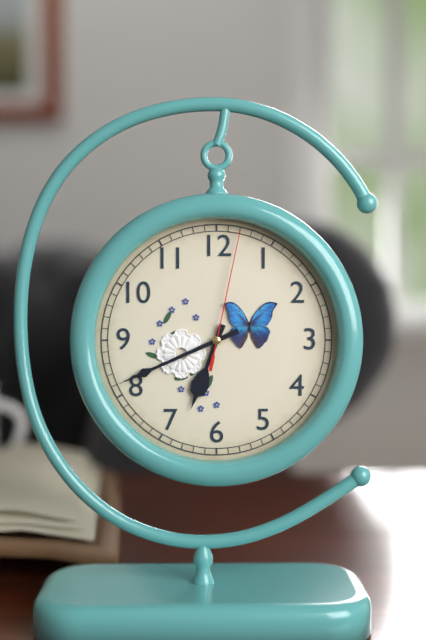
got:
h=6 m=41 s=2
